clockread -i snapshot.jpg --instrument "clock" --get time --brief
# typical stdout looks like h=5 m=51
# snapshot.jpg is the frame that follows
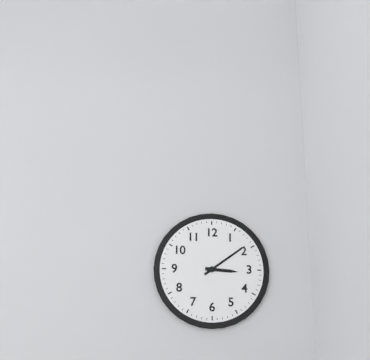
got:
h=3 m=9
